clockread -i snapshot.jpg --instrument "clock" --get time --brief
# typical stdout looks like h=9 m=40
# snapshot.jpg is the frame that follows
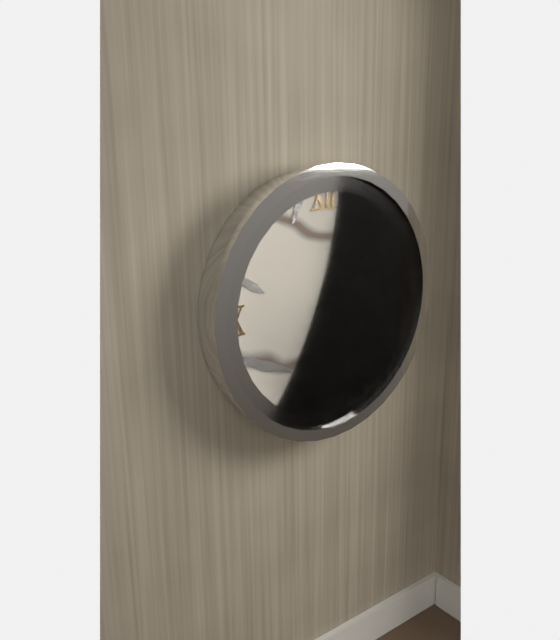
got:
h=2 m=4
